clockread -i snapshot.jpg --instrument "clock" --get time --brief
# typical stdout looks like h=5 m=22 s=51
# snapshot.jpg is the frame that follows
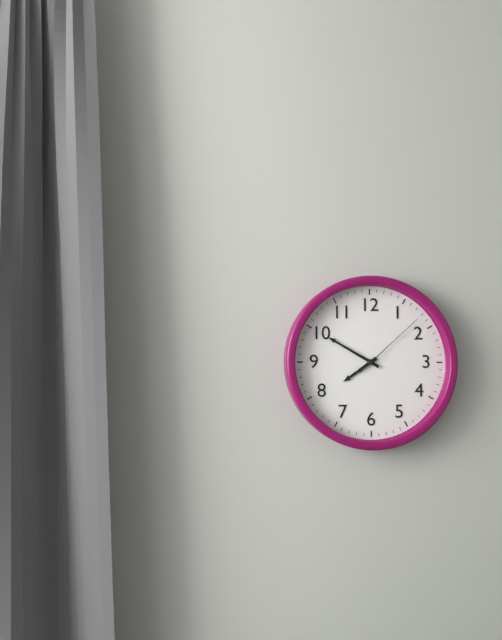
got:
h=7 m=50 s=8
